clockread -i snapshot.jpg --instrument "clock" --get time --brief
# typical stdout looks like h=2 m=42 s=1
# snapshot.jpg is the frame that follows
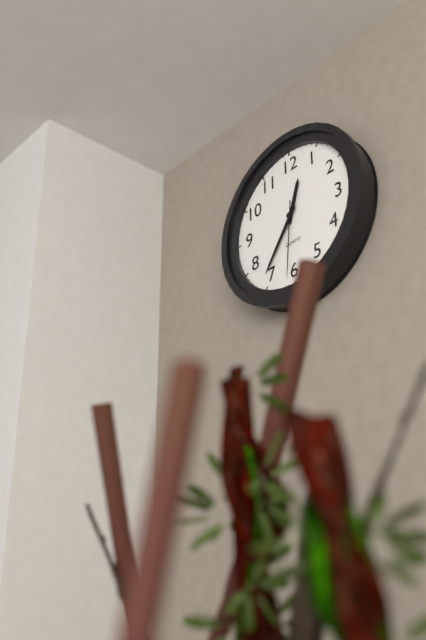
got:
h=12 m=36 s=31
